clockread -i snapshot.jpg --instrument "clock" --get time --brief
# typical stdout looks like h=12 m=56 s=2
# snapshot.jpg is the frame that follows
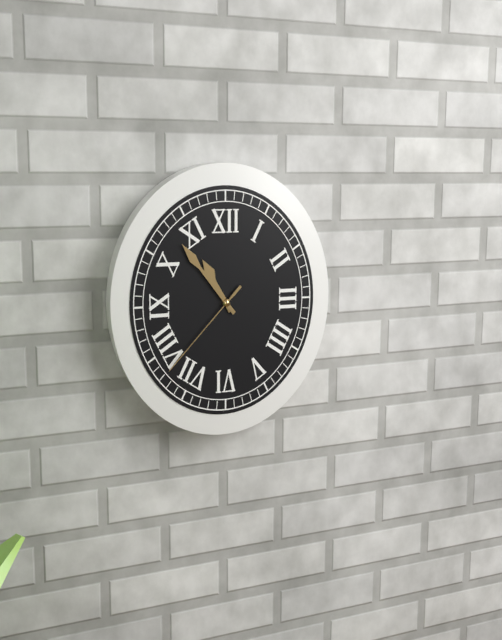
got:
h=10 m=53 s=38
